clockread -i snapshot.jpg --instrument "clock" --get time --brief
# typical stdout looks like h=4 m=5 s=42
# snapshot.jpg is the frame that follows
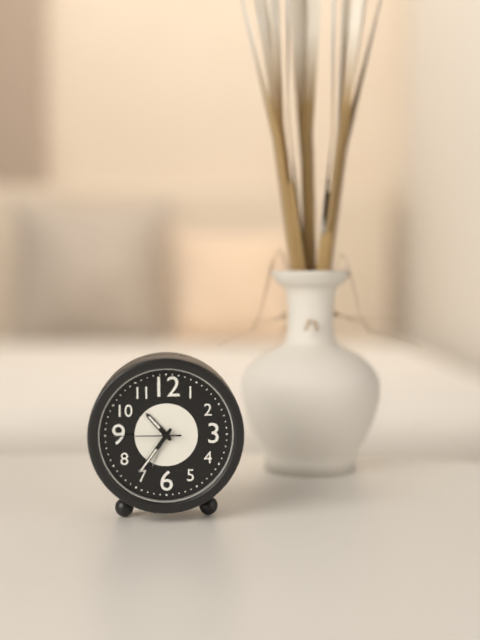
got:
h=10 m=36 s=45
